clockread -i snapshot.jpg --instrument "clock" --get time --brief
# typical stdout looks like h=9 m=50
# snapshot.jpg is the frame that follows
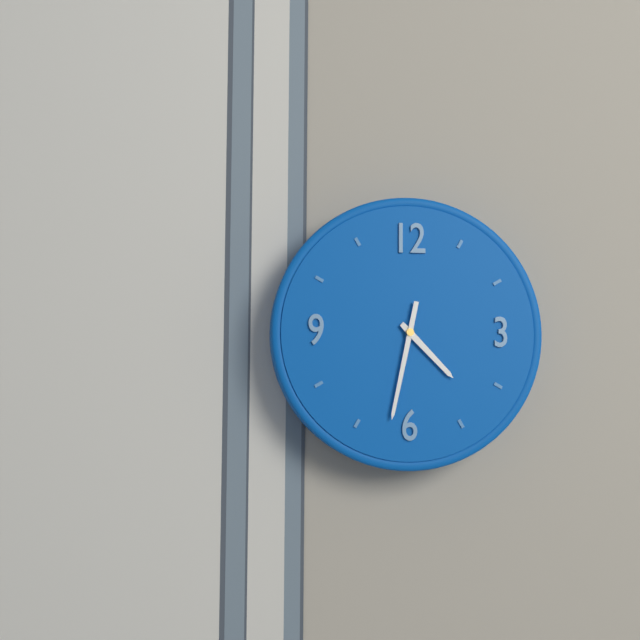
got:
h=4 m=32
